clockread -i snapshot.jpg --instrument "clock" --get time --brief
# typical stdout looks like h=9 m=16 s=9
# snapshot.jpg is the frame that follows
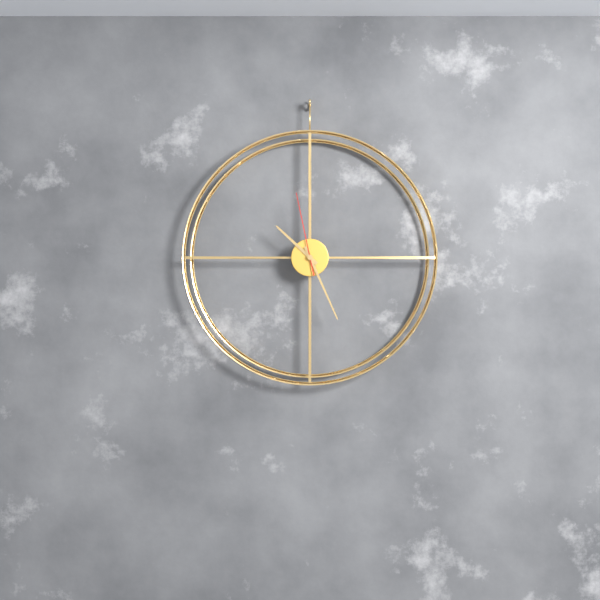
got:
h=10 m=26 s=58
